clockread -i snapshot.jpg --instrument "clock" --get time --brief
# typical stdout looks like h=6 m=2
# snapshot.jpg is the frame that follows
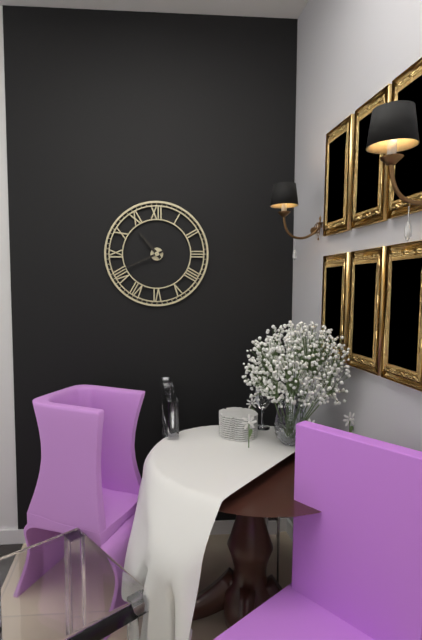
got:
h=10 m=41
